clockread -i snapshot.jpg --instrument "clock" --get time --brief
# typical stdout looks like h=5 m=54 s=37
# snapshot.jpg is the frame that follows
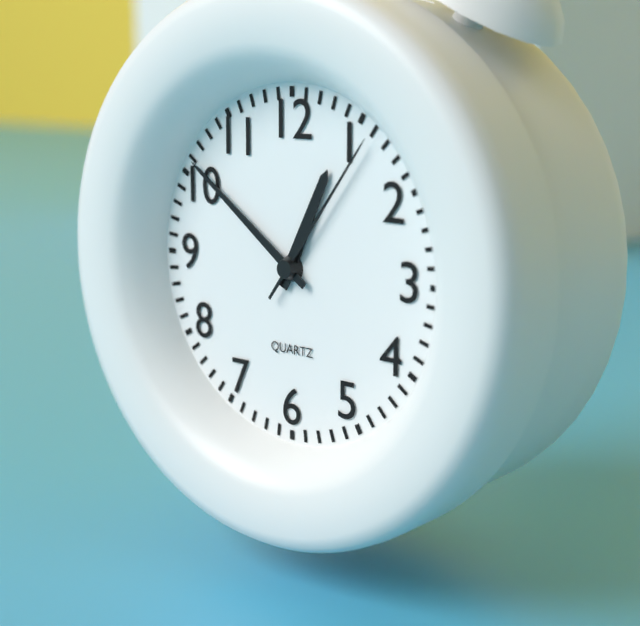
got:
h=12 m=51 s=6
